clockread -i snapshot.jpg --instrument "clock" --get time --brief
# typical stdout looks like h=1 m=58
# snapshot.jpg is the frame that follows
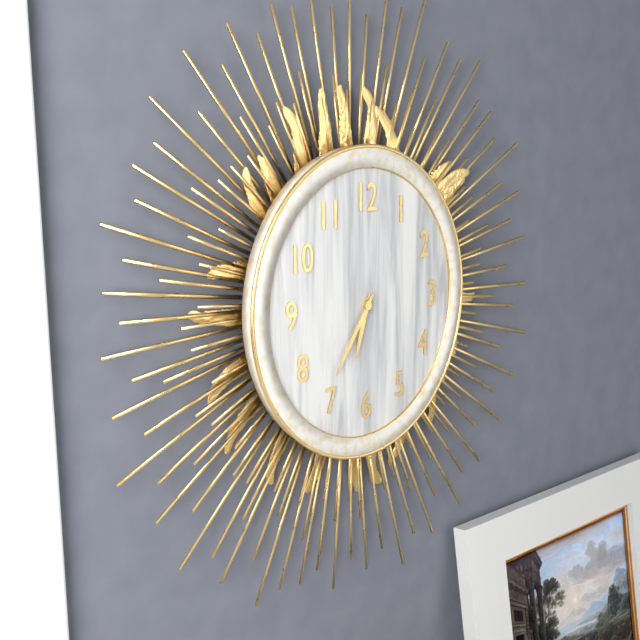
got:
h=6 m=36
